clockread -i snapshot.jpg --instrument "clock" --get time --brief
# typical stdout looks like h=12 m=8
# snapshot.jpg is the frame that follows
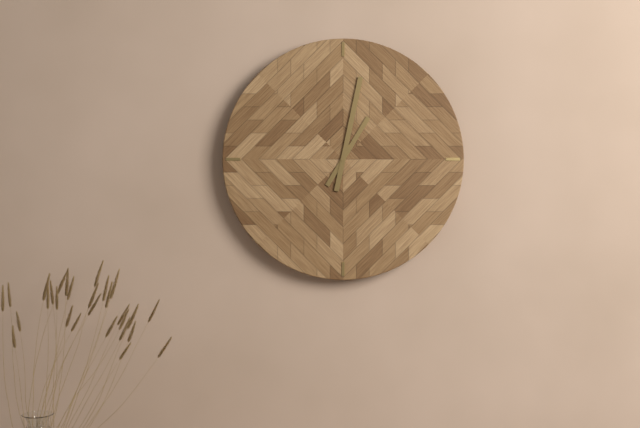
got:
h=1 m=2
